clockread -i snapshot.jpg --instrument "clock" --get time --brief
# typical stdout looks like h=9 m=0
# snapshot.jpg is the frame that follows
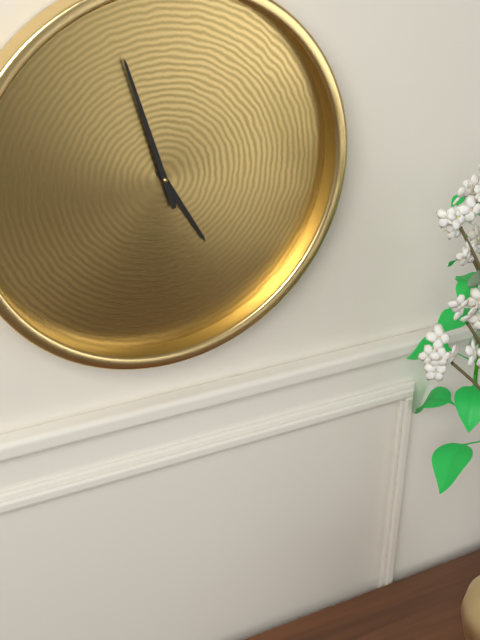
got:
h=4 m=57
